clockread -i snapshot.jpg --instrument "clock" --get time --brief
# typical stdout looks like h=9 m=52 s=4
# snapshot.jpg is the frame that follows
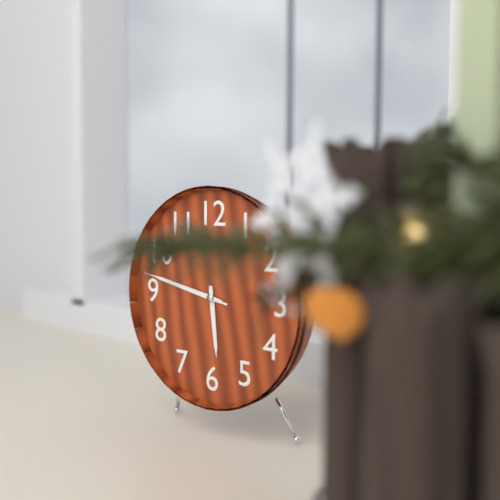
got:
h=5 m=47 s=47
